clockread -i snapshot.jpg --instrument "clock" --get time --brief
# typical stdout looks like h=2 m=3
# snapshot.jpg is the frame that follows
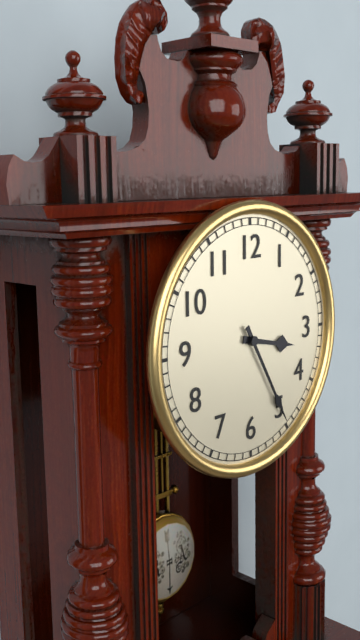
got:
h=3 m=25
